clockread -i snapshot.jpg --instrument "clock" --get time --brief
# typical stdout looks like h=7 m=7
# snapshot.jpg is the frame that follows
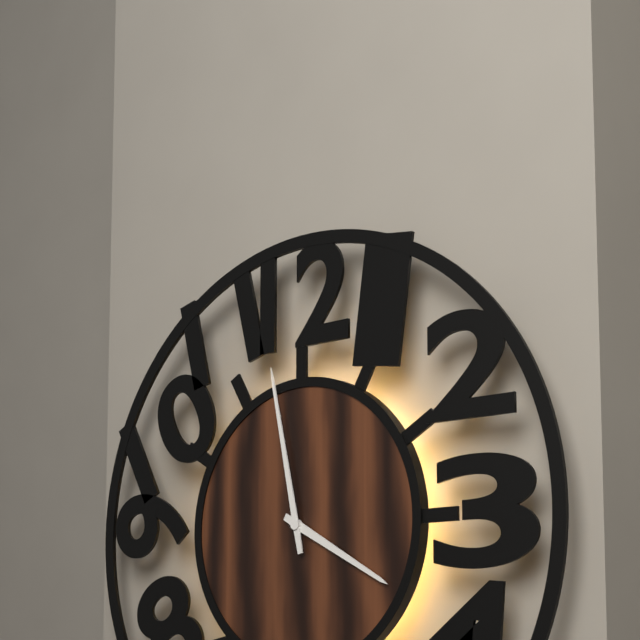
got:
h=3 m=58
